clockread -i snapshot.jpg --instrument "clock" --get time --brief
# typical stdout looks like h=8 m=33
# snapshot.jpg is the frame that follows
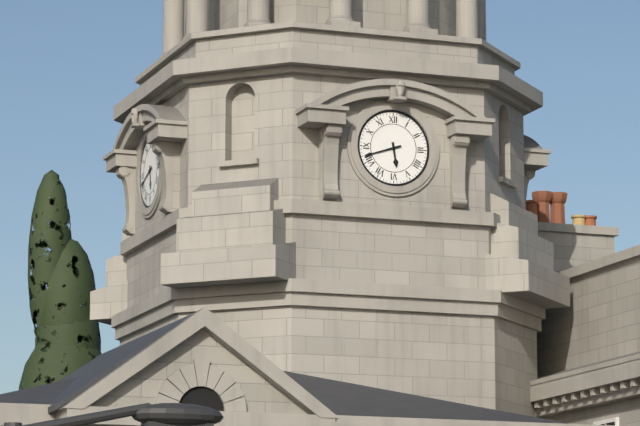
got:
h=5 m=42
